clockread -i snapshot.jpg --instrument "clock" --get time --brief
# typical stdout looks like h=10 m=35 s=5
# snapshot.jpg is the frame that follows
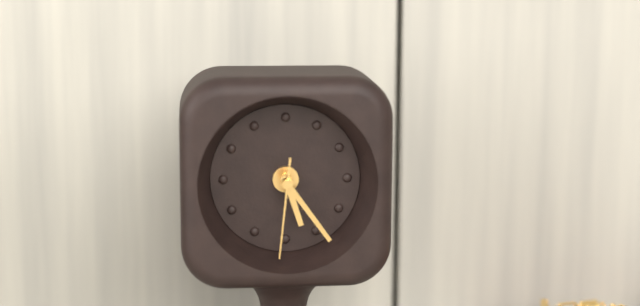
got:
h=5 m=24 s=31
